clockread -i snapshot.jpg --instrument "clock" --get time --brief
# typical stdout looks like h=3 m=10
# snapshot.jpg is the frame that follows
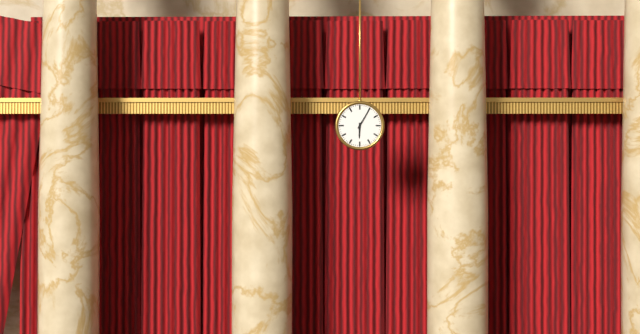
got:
h=6 m=5
